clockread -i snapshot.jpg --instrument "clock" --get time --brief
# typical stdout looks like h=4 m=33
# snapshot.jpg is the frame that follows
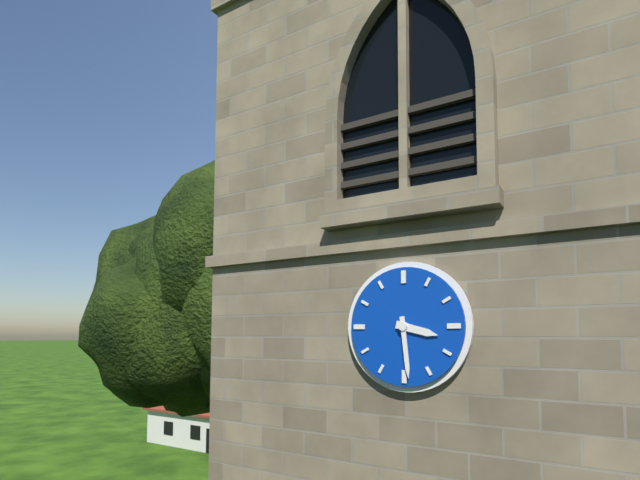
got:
h=3 m=29
